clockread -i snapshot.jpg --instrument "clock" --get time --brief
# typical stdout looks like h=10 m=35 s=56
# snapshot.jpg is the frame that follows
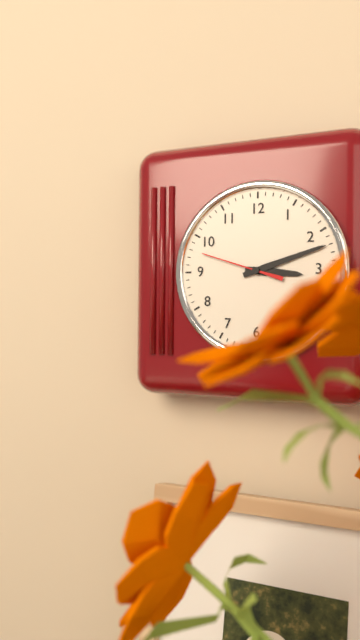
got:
h=3 m=12 s=48
